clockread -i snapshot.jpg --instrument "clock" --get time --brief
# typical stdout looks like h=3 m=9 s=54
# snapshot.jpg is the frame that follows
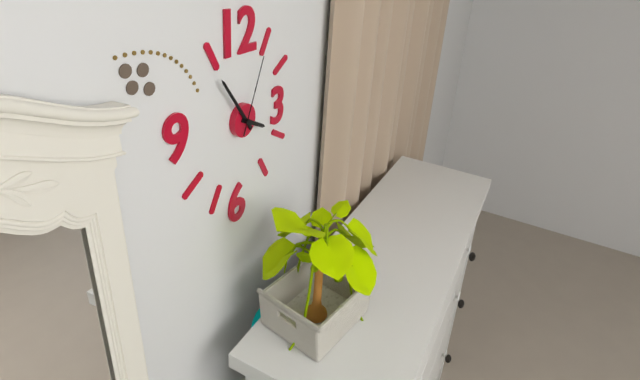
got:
h=3 m=54 s=4
